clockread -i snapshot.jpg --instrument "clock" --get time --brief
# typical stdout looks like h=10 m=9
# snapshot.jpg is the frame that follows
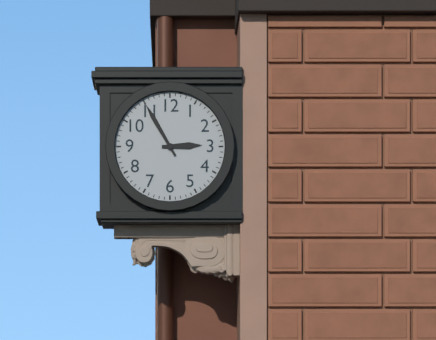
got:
h=2 m=55
